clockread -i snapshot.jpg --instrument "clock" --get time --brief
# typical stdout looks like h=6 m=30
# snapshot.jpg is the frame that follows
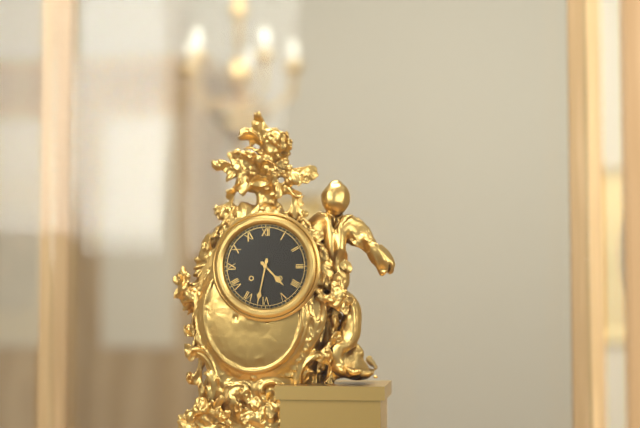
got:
h=4 m=32
